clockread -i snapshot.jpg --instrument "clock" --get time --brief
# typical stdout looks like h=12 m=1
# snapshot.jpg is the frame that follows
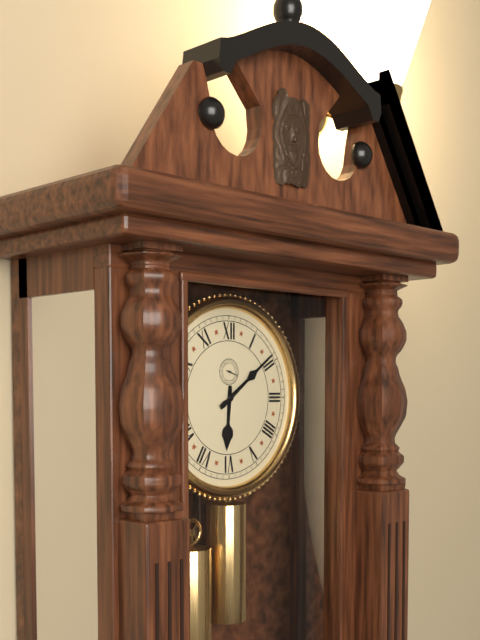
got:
h=6 m=9
